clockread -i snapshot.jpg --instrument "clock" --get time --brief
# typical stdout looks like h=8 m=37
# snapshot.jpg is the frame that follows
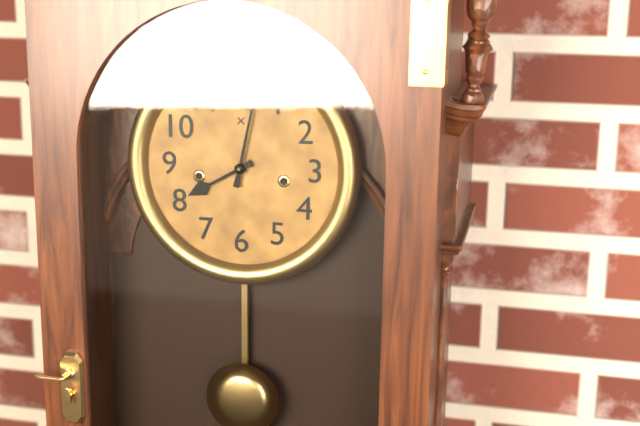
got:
h=8 m=2
